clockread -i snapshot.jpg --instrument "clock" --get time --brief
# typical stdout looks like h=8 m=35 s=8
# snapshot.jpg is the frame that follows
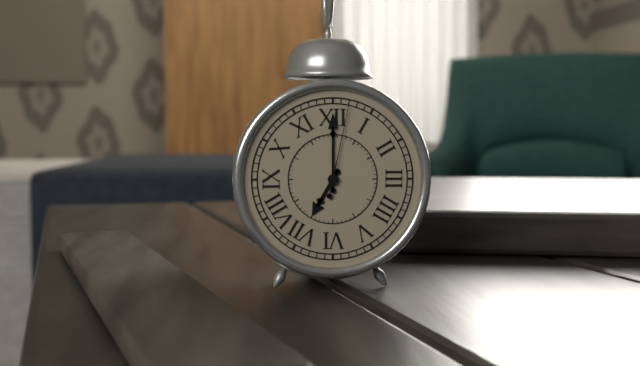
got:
h=7 m=0 s=2
